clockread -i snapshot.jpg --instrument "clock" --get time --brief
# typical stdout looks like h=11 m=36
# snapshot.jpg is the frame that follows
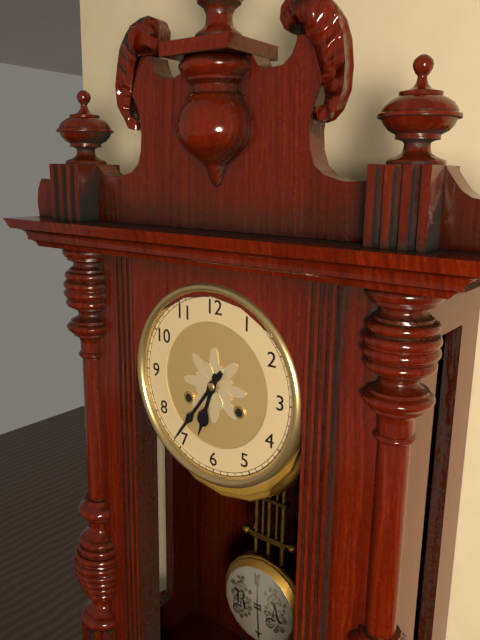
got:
h=6 m=36
